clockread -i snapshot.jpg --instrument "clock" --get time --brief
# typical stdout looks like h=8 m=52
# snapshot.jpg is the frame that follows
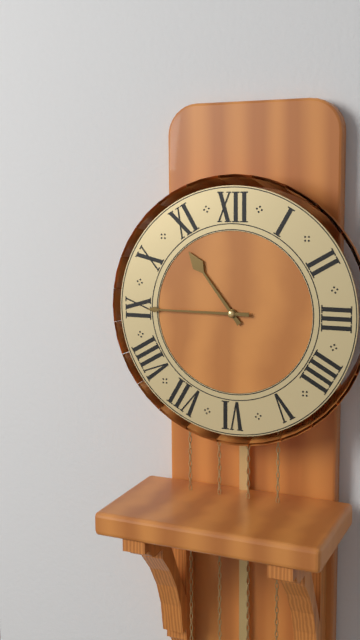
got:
h=10 m=45
